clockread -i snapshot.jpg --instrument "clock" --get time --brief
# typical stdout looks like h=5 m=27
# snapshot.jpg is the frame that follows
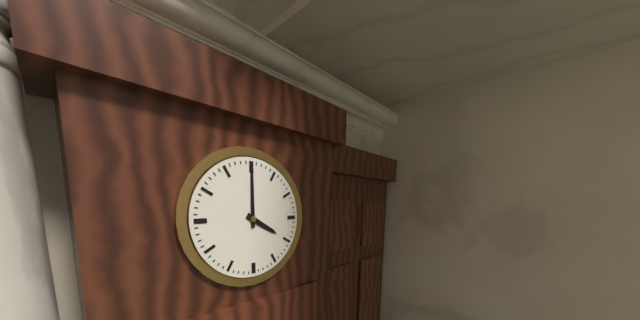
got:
h=4 m=0
